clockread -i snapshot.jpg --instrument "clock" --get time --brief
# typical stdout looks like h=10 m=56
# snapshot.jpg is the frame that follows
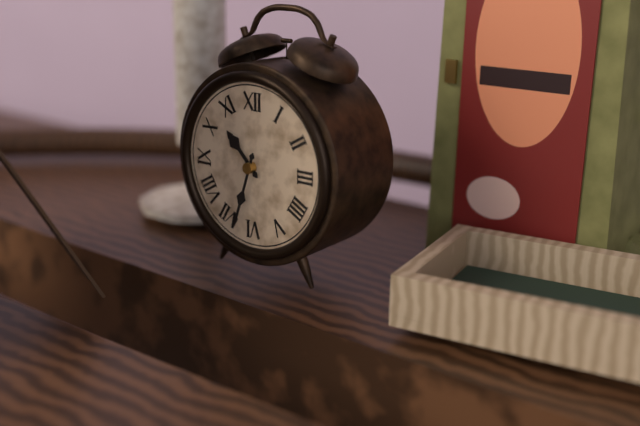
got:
h=10 m=33
